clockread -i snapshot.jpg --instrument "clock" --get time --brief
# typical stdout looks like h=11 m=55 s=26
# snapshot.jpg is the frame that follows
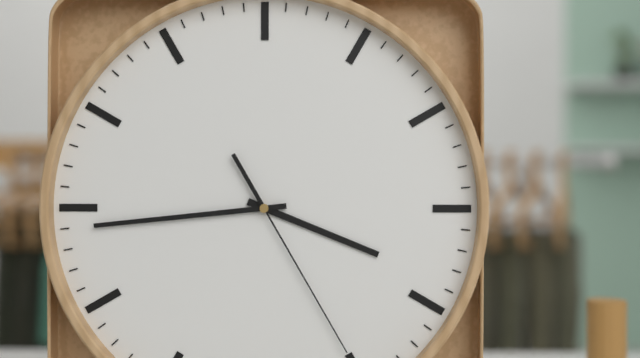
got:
h=3 m=44 s=25
